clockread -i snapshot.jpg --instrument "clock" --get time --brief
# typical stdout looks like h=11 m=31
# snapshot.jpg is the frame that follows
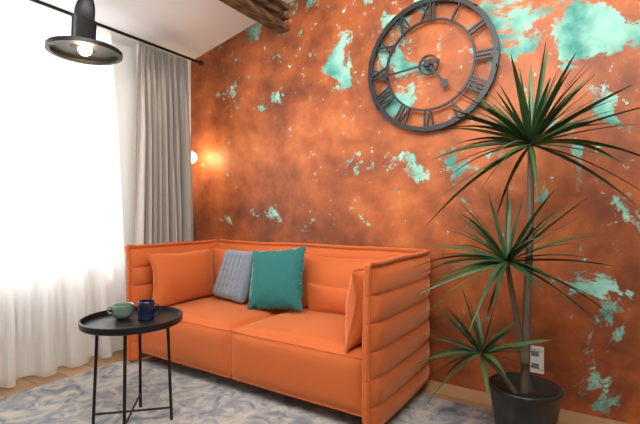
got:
h=4 m=44
